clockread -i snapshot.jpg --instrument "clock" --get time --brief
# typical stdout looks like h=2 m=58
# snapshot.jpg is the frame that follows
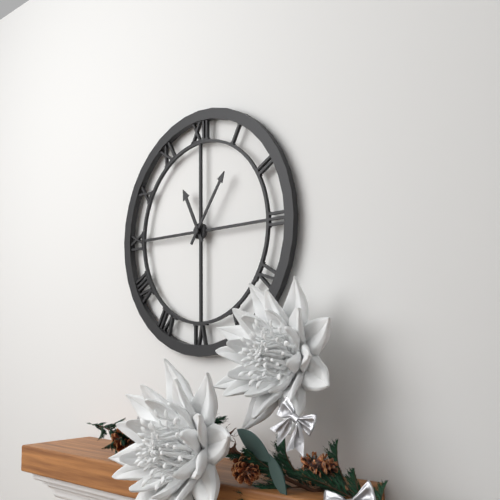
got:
h=11 m=6
